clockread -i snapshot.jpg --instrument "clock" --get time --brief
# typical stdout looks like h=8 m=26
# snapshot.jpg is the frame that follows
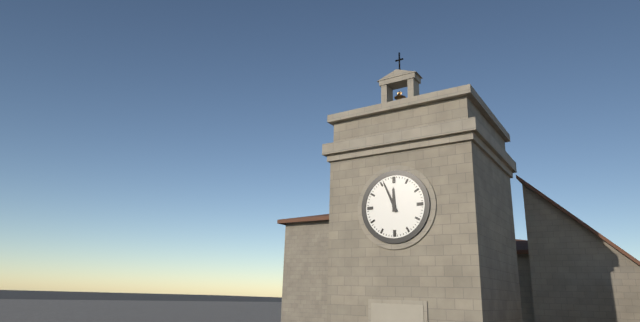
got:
h=11 m=56
